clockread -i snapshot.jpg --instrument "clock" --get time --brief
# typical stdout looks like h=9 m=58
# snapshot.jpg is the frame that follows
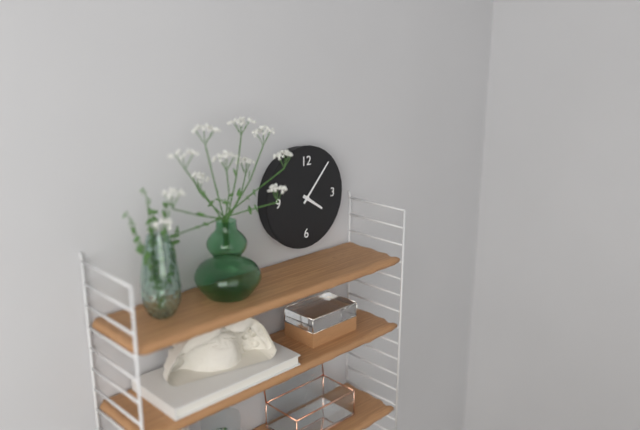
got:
h=4 m=7
